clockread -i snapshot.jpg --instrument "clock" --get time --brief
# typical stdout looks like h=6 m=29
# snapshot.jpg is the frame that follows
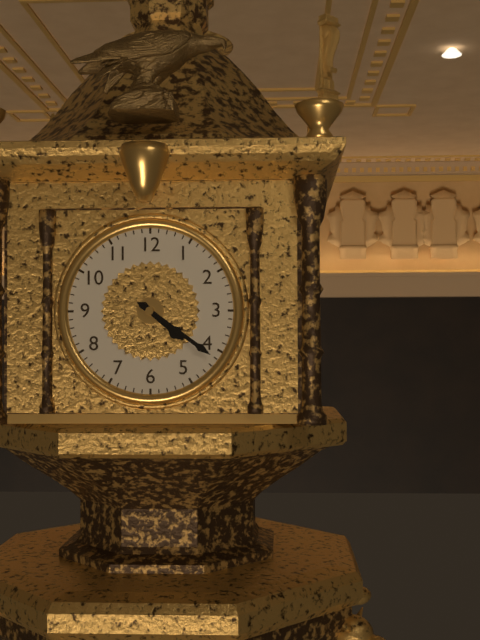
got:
h=4 m=21
